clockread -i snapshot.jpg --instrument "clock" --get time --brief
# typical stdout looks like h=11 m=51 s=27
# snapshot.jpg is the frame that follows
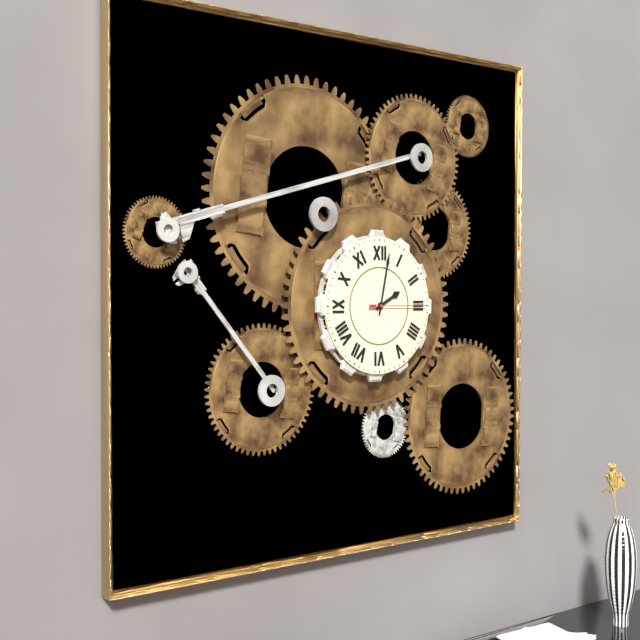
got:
h=2 m=2 s=15
